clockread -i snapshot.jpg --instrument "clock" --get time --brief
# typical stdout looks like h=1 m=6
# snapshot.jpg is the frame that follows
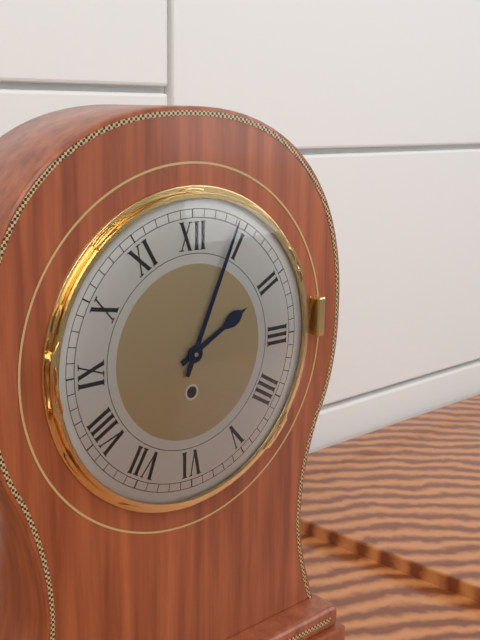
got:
h=2 m=4
